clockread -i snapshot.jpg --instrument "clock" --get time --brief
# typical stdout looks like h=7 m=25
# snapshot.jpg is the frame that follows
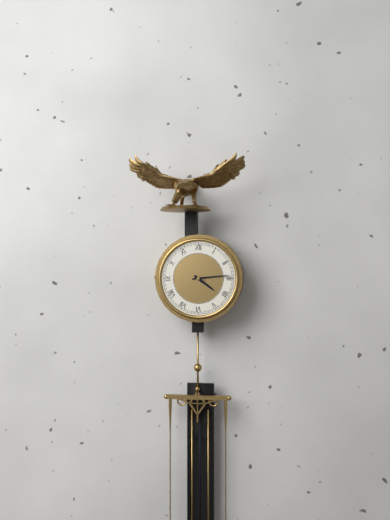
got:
h=4 m=14
